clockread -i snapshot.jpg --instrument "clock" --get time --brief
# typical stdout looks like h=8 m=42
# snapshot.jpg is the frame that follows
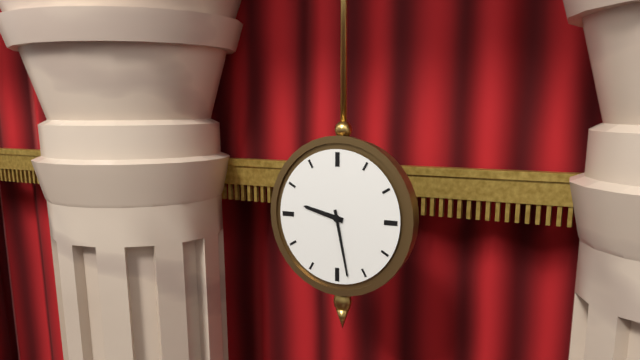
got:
h=9 m=28
